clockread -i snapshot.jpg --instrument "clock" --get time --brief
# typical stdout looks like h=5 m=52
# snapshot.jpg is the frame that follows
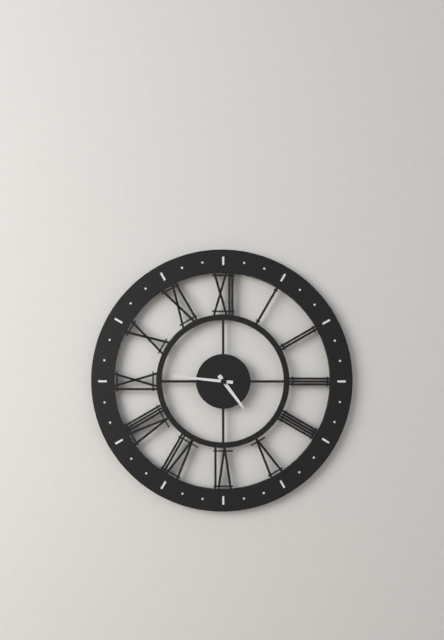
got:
h=4 m=46
